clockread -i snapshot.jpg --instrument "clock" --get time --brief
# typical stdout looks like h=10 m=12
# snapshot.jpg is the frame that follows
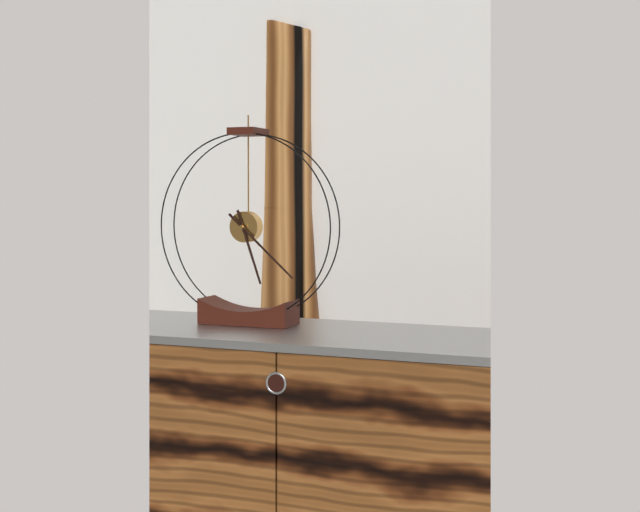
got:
h=5 m=22
